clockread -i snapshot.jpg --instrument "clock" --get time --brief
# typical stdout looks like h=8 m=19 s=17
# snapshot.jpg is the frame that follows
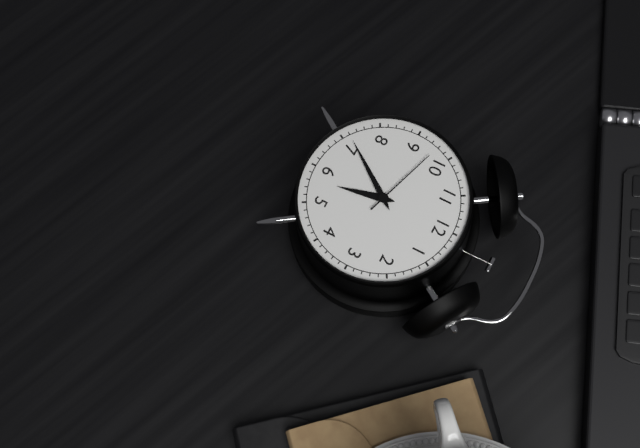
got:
h=5 m=36 s=48
